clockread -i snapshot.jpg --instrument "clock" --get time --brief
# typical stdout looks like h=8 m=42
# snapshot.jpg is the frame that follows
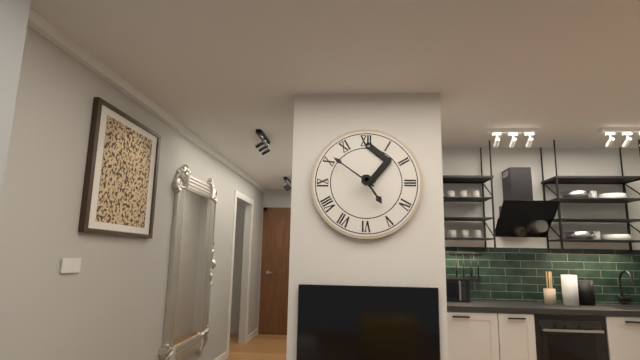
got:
h=4 m=51
